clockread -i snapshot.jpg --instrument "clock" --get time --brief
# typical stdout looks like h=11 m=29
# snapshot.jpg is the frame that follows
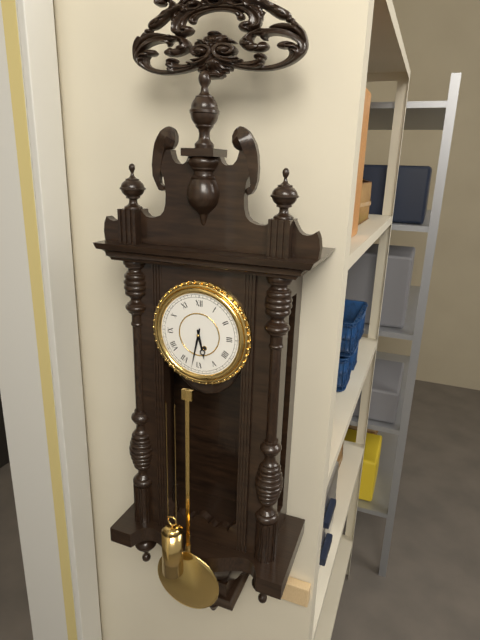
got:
h=5 m=32
